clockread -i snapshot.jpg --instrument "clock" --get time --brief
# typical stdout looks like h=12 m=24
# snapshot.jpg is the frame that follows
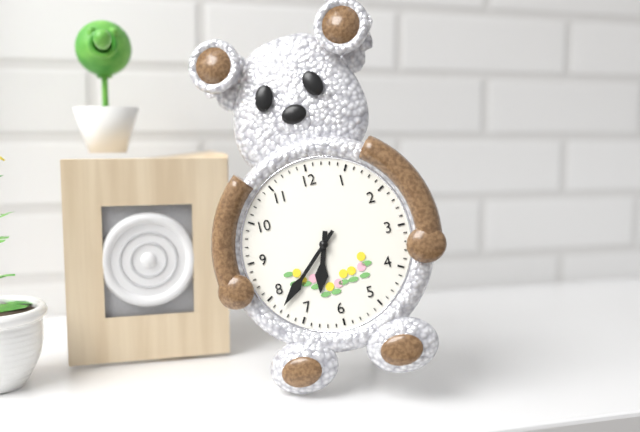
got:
h=6 m=38
